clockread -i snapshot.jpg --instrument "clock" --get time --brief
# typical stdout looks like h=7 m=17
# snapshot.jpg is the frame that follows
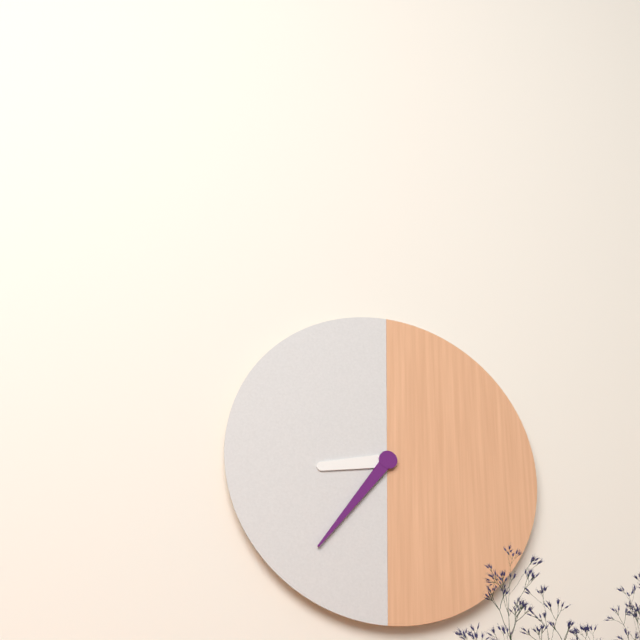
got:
h=8 m=36
